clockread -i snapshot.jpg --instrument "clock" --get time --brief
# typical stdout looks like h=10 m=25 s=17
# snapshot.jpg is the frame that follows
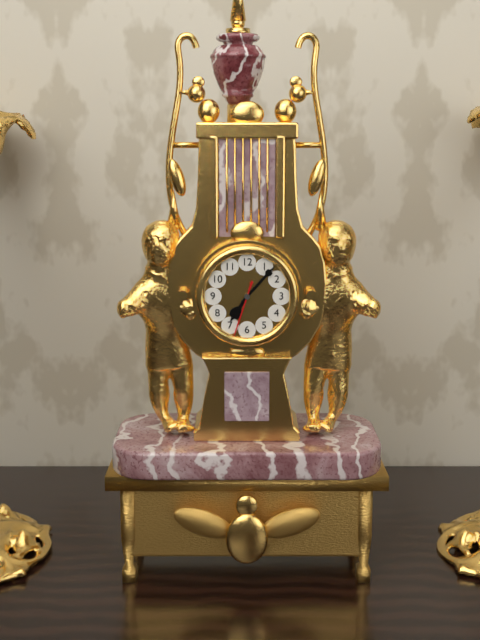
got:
h=7 m=7 s=33
